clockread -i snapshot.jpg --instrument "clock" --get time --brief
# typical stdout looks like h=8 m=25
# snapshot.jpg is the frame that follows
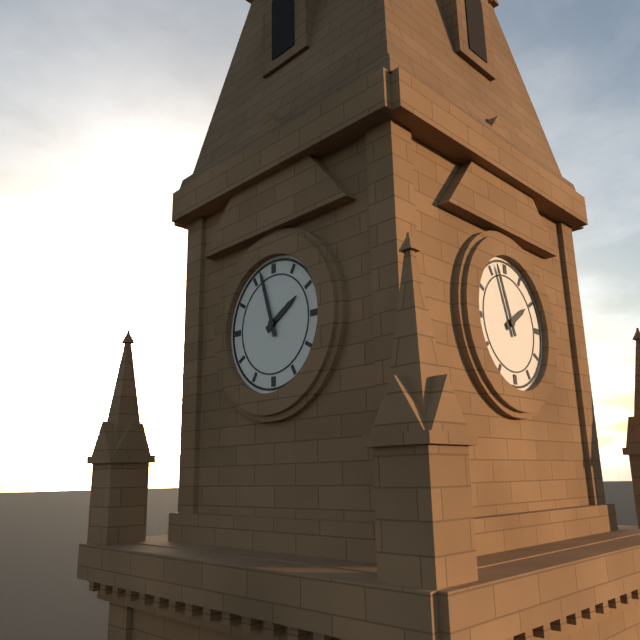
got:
h=1 m=57
